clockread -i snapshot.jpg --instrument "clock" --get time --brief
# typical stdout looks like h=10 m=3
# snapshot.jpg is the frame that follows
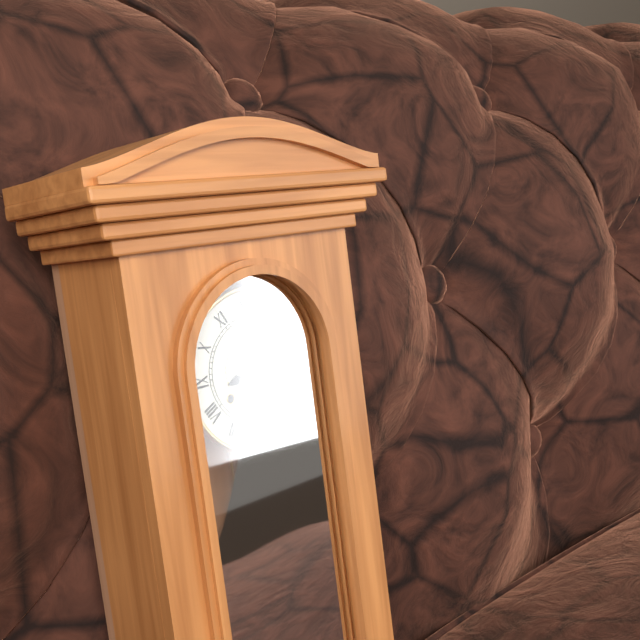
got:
h=8 m=30
